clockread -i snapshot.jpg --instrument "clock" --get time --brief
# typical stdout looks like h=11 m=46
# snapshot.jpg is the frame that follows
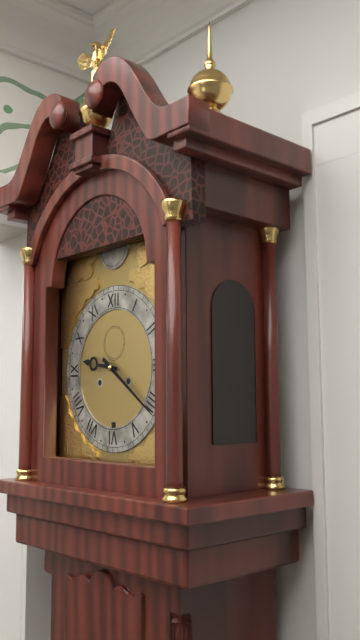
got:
h=9 m=21
